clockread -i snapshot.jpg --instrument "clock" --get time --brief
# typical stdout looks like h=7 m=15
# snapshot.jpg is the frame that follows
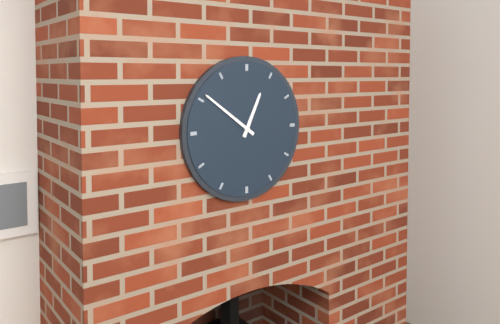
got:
h=12 m=51
